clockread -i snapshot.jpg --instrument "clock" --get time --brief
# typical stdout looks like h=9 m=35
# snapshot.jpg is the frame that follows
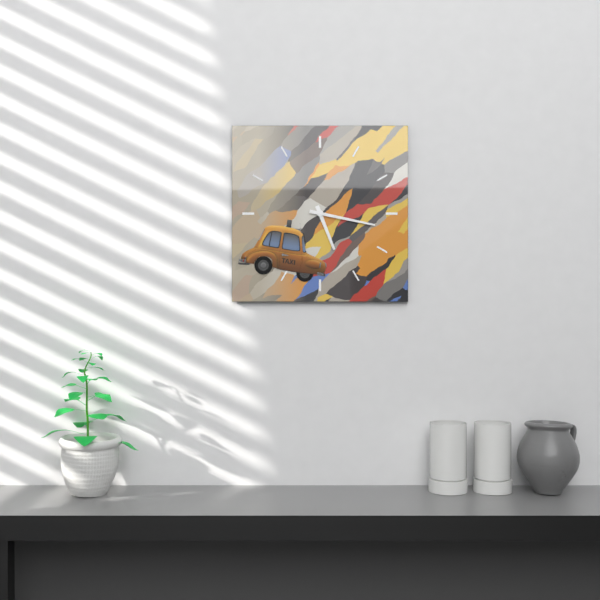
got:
h=5 m=17
